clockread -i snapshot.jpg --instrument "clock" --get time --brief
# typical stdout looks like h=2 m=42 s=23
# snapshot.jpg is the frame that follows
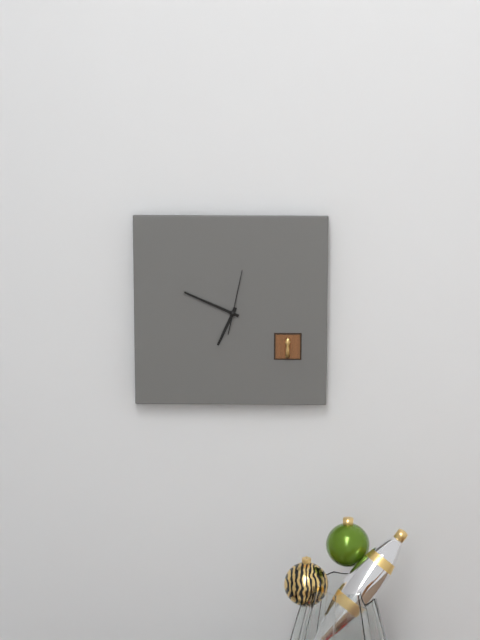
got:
h=6 m=49 s=2
